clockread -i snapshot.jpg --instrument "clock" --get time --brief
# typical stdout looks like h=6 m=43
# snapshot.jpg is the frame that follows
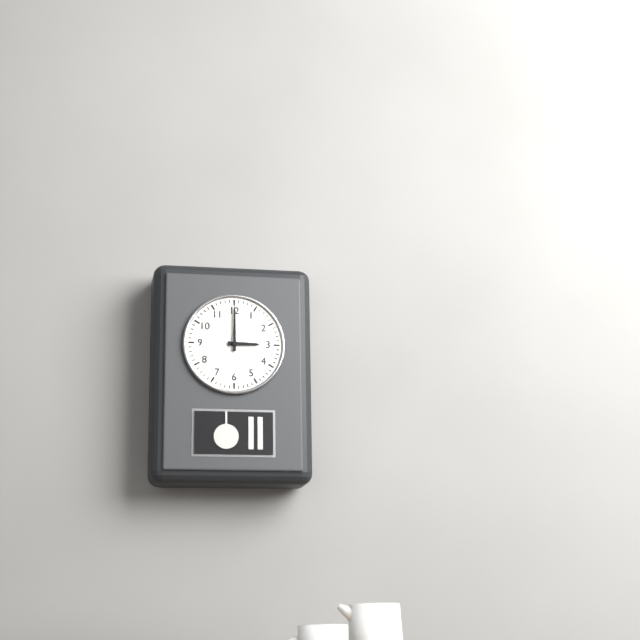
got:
h=3 m=0
